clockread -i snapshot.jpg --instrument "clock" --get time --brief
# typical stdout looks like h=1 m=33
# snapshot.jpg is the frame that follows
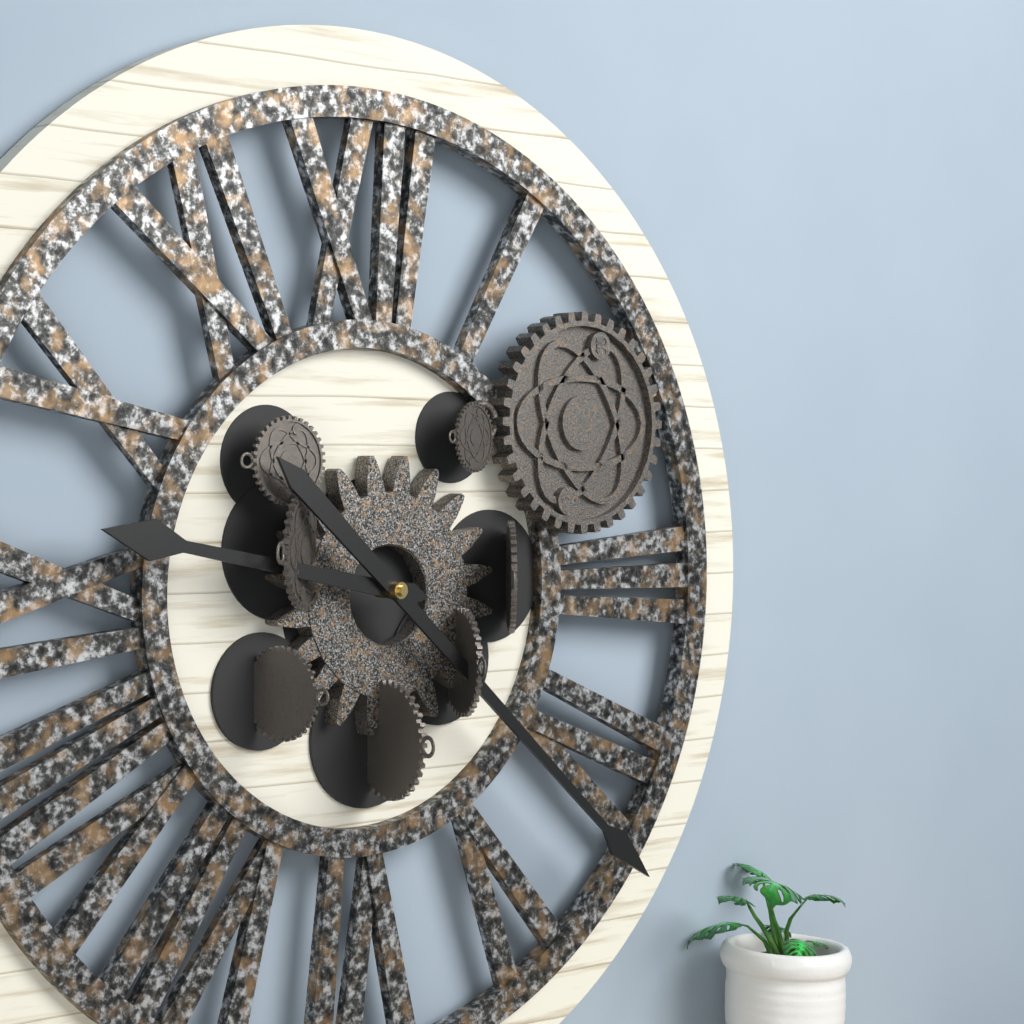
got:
h=9 m=22
